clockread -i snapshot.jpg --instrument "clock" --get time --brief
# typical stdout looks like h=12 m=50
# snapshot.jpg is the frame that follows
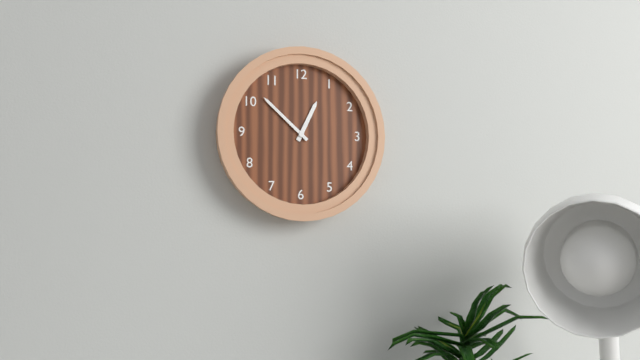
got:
h=12 m=52
